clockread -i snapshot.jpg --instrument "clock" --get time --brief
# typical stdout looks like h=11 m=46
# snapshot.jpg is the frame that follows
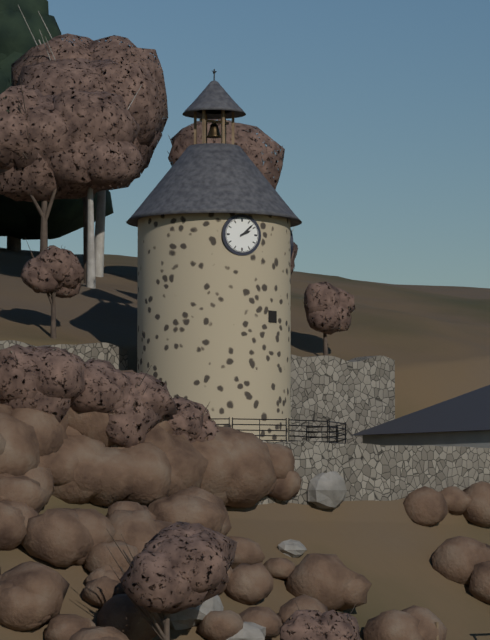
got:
h=2 m=8
